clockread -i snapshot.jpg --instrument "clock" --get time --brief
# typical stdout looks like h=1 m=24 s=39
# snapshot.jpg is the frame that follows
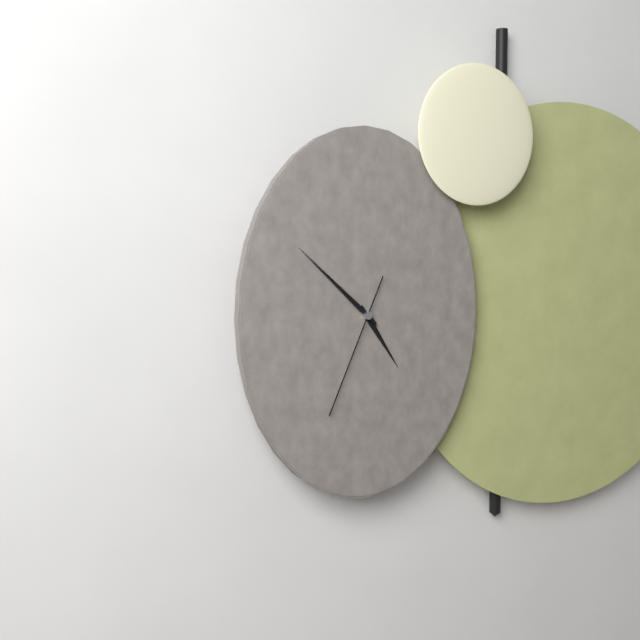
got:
h=4 m=52 s=34
